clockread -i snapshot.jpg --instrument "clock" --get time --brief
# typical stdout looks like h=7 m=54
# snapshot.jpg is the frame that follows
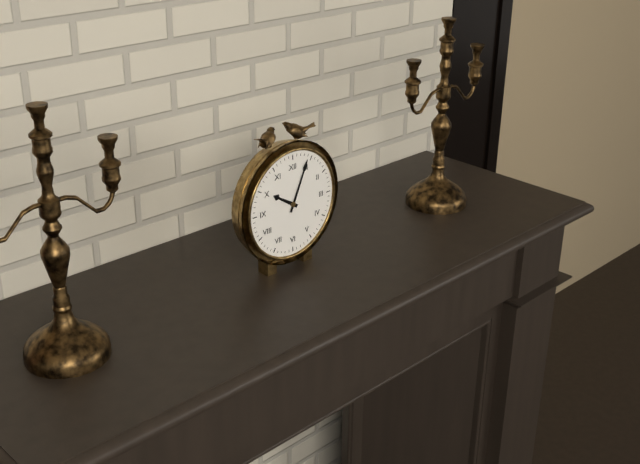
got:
h=10 m=4
